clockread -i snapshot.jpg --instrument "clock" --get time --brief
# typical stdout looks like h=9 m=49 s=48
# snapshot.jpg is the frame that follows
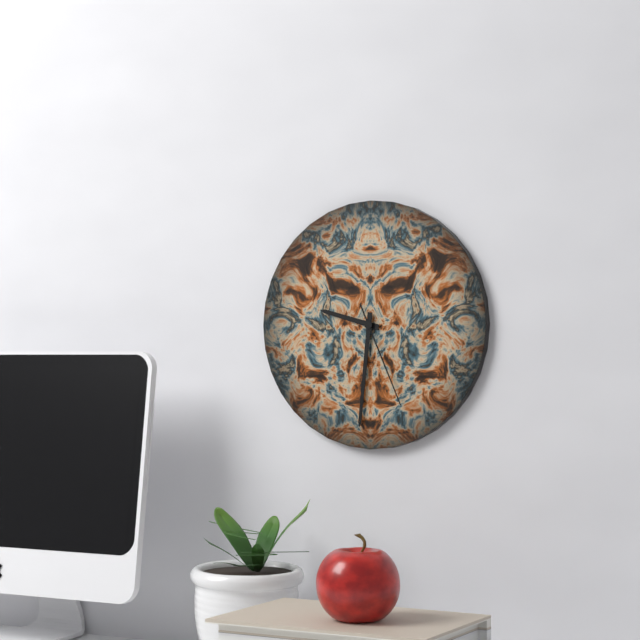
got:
h=9 m=31 s=26
